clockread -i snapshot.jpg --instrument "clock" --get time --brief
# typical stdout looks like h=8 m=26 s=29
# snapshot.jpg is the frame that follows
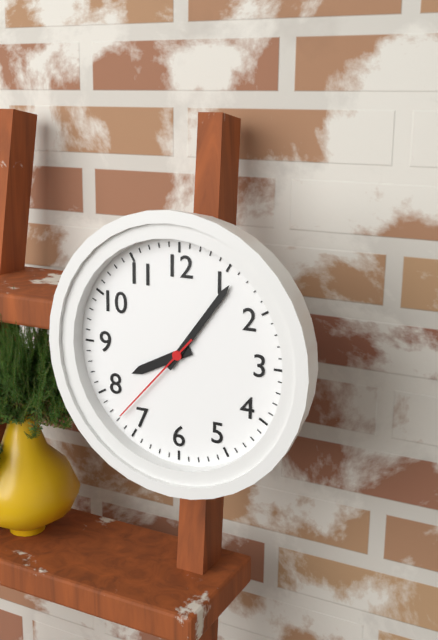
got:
h=8 m=6 s=37
